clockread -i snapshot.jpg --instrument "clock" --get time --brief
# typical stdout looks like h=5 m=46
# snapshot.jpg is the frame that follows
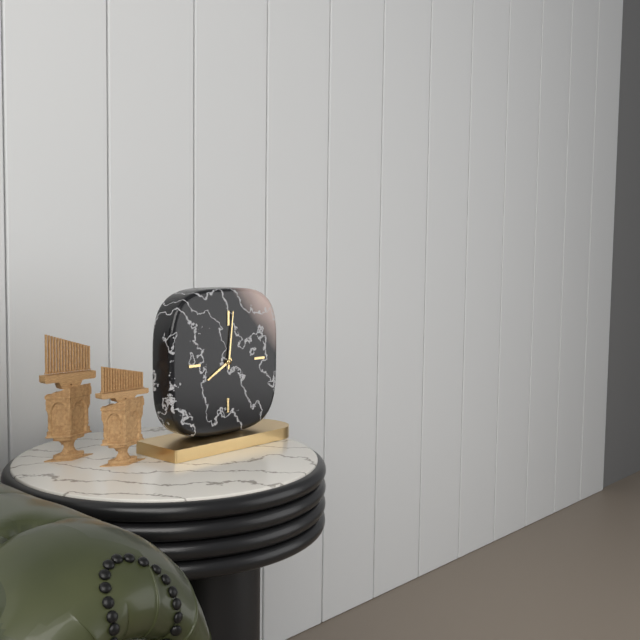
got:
h=8 m=1
